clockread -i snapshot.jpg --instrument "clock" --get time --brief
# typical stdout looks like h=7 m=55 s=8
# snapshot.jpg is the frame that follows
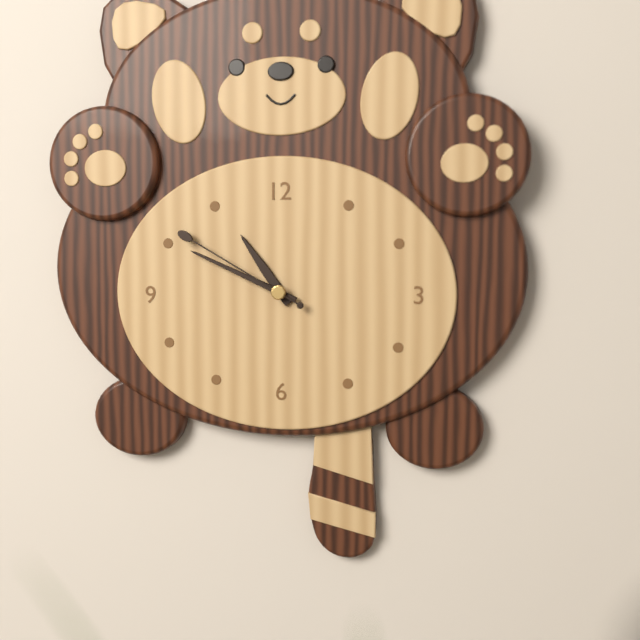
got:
h=10 m=49 s=50
